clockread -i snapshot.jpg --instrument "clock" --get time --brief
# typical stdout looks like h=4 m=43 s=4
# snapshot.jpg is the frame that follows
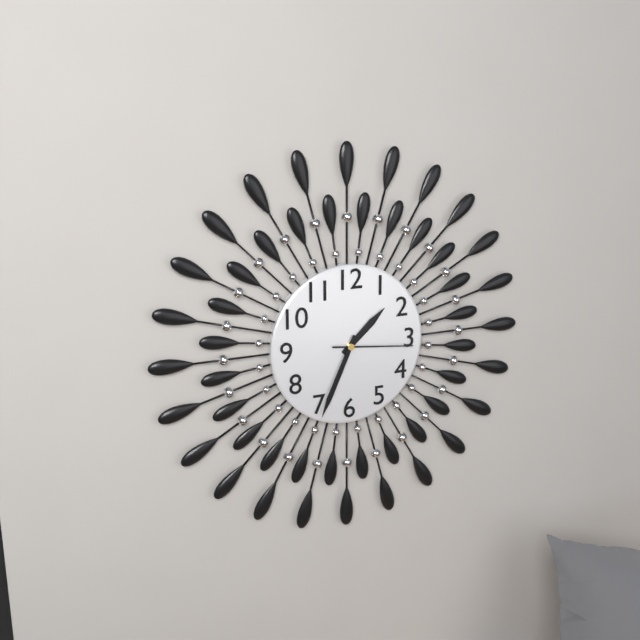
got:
h=1 m=34 s=16
